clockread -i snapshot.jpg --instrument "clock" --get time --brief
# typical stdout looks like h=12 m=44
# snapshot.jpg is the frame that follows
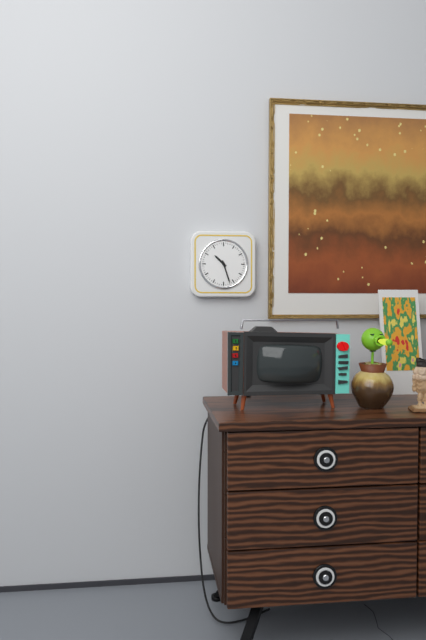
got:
h=10 m=27
